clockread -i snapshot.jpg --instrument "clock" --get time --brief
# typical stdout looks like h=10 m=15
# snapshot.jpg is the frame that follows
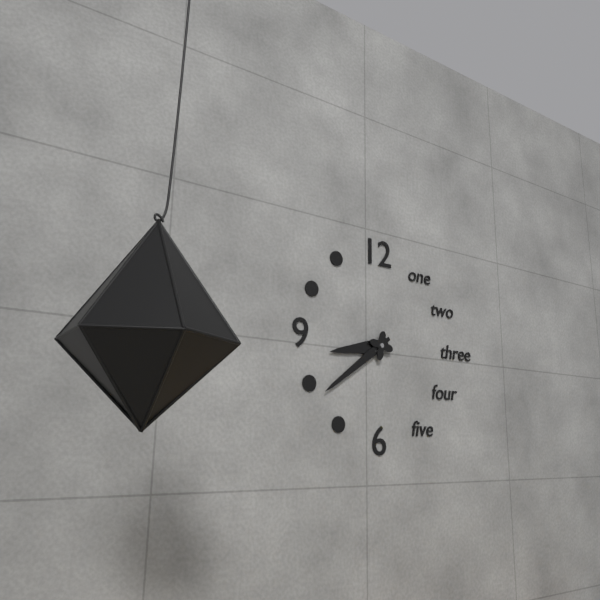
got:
h=8 m=39
